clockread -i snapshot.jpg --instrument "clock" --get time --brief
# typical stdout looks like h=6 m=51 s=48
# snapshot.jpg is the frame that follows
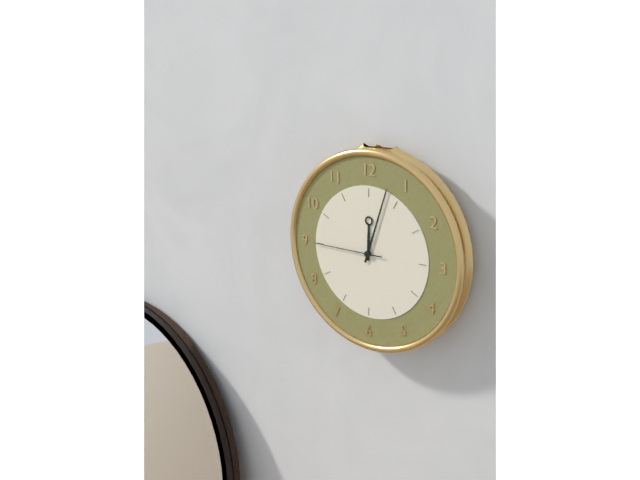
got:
h=12 m=3 s=45
